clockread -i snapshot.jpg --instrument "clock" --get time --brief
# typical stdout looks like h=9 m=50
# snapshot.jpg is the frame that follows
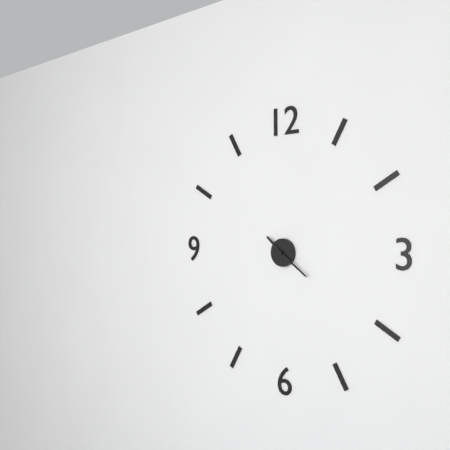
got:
h=10 m=21
